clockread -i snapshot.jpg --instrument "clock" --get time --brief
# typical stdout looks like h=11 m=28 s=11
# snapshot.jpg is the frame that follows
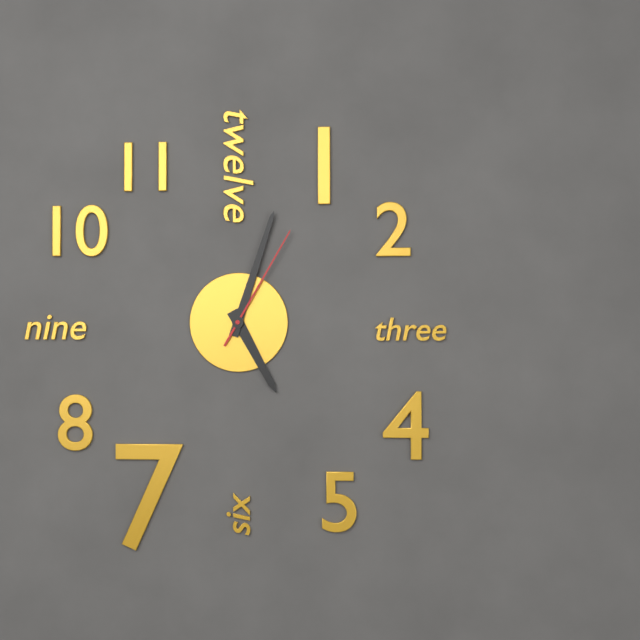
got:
h=5 m=3 s=5
